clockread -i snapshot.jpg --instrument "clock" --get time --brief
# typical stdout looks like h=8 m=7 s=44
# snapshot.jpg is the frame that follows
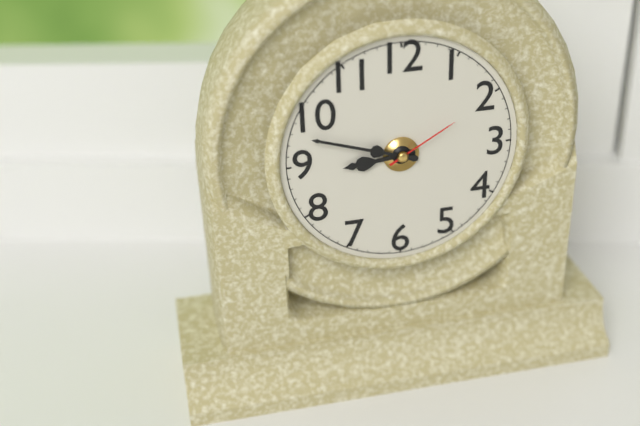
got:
h=8 m=48 s=10
